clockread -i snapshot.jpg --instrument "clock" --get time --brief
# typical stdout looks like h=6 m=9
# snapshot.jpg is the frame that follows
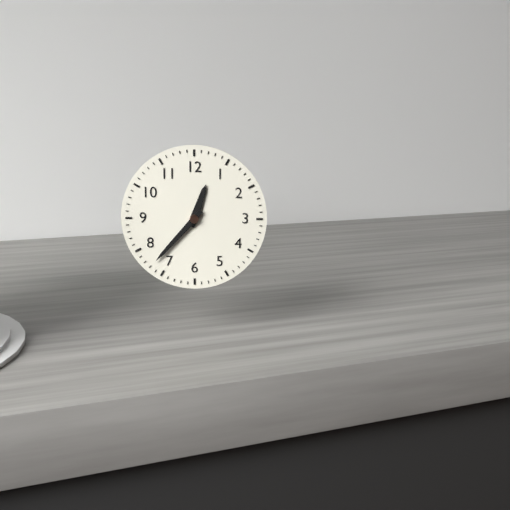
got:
h=12 m=37
